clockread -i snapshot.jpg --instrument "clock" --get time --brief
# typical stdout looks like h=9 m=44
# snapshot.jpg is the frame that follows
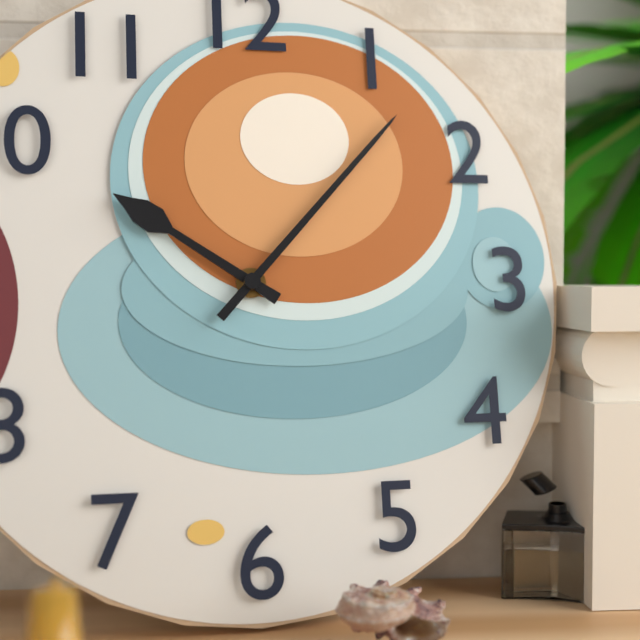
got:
h=10 m=7
